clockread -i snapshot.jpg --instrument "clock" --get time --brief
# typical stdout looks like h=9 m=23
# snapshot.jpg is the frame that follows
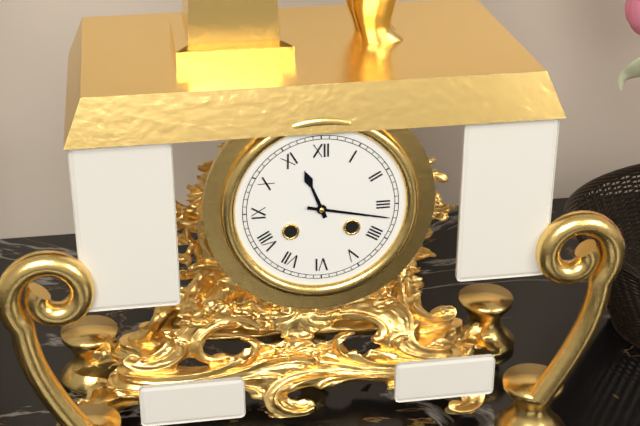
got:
h=11 m=17
